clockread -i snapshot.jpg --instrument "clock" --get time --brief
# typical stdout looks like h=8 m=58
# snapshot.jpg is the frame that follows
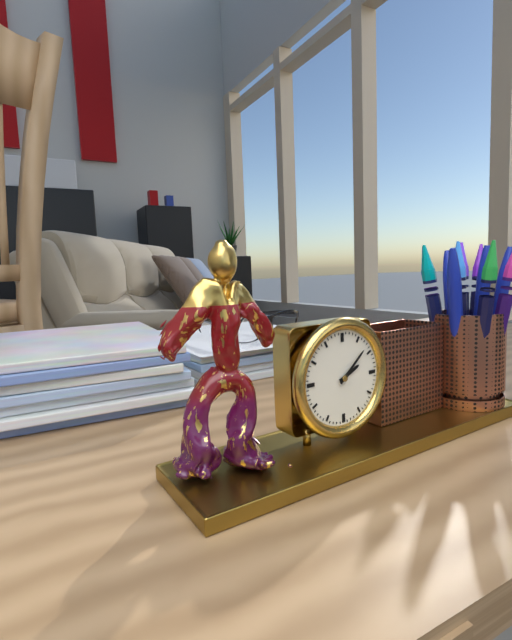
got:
h=2 m=8
